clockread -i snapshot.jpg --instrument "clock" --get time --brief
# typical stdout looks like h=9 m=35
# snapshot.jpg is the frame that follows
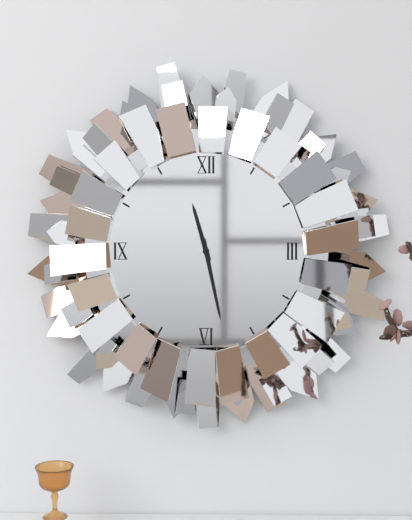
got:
h=11 m=28
